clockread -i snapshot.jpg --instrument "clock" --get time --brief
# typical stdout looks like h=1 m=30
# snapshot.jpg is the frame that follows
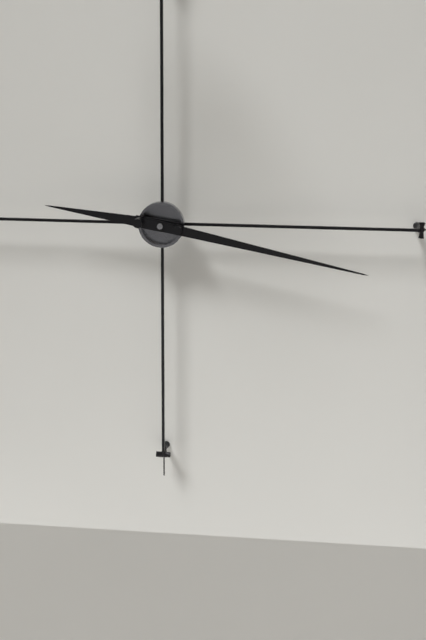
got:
h=9 m=17
